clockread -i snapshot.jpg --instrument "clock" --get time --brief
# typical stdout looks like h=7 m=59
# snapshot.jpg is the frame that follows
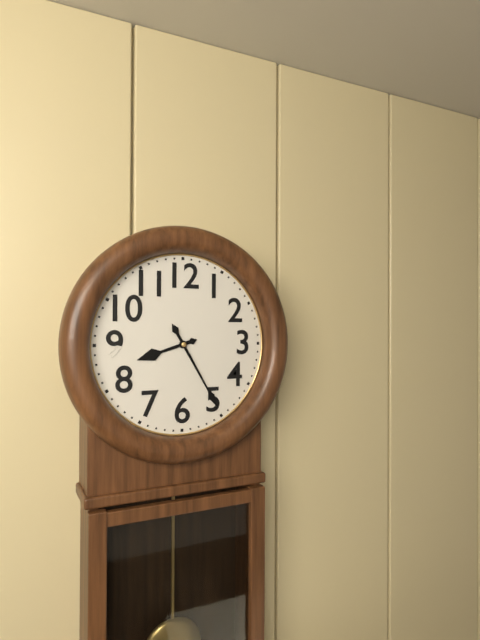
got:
h=8 m=25
